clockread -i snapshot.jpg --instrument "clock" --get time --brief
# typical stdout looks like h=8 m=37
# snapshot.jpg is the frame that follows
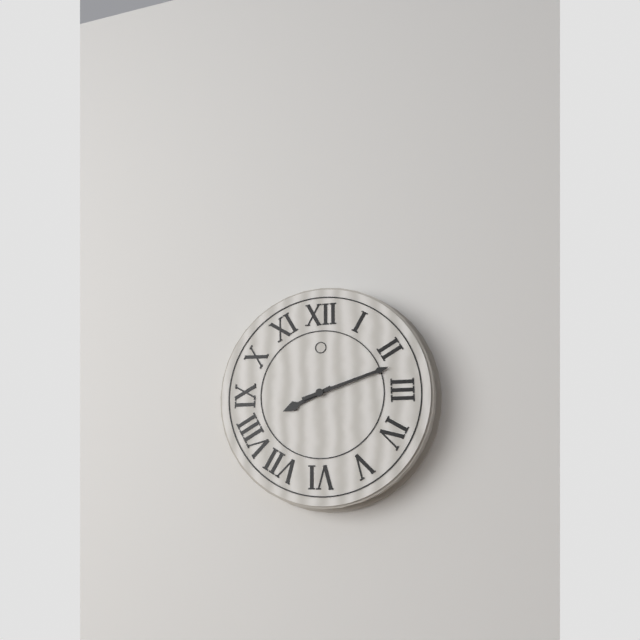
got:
h=8 m=12
